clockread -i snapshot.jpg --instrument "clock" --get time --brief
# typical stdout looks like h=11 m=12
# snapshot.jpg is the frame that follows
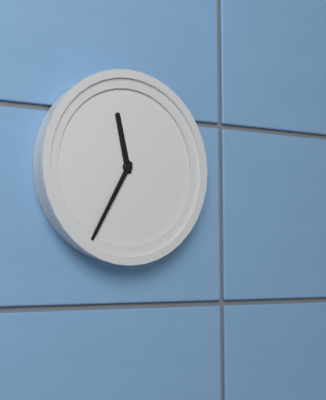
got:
h=11 m=35
